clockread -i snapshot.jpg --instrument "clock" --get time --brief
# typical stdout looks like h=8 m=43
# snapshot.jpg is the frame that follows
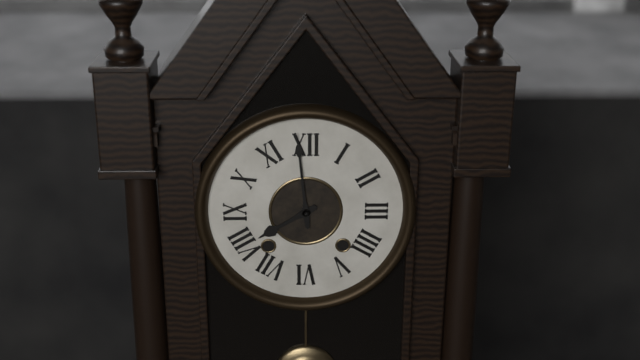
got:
h=7 m=59
